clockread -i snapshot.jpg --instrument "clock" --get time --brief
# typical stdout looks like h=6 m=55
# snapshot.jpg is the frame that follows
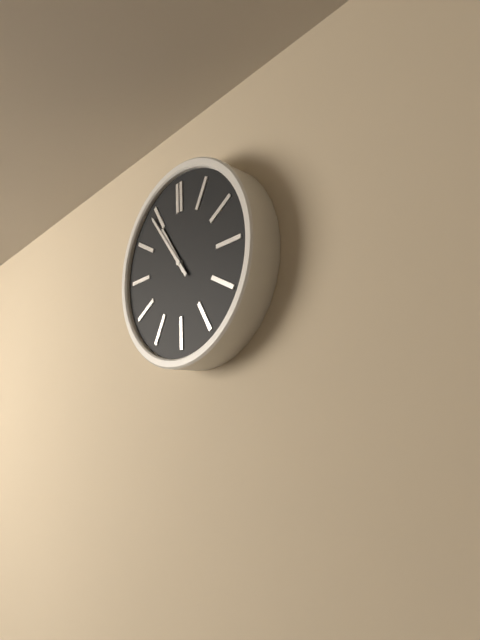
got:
h=10 m=54
